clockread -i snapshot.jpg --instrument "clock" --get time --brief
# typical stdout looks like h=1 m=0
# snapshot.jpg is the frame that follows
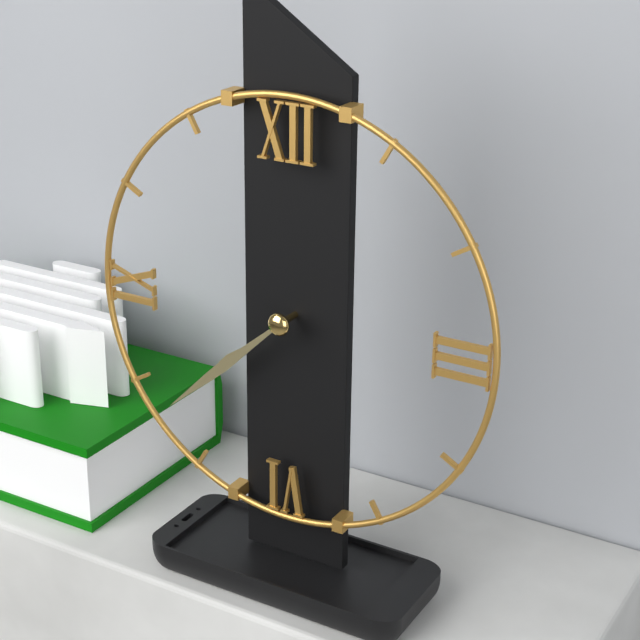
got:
h=7 m=38
